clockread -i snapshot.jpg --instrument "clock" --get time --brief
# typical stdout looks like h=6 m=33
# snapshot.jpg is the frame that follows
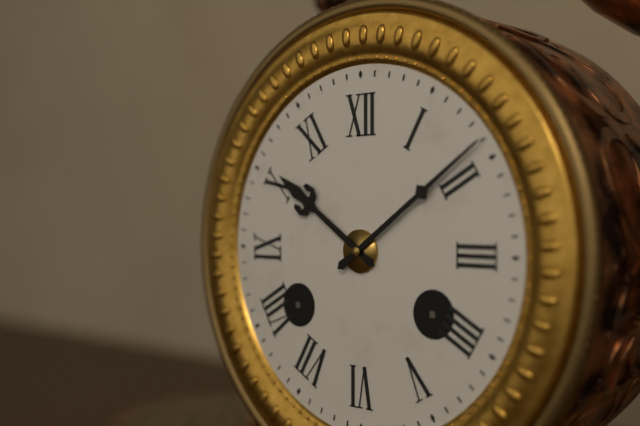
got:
h=10 m=9
